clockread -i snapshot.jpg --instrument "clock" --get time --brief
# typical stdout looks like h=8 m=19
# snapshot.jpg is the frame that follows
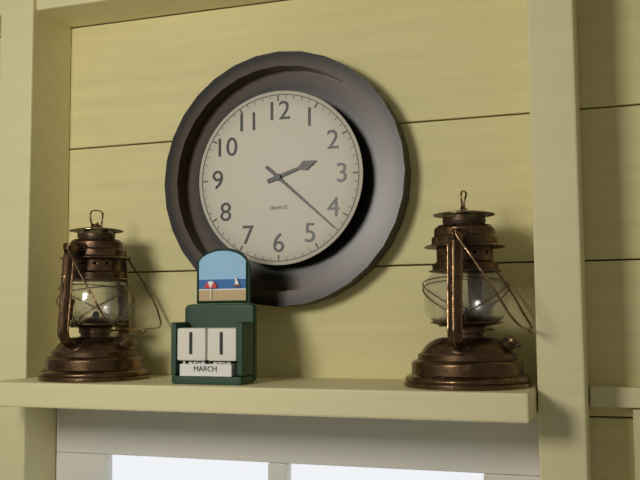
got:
h=2 m=22
